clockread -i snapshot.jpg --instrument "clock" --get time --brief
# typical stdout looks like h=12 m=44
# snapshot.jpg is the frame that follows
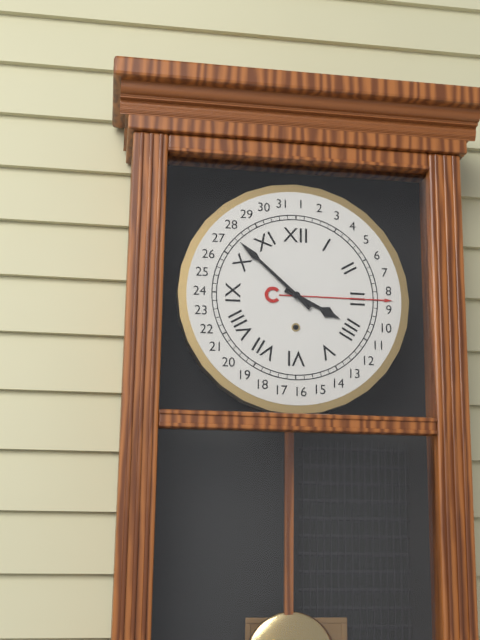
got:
h=3 m=52
